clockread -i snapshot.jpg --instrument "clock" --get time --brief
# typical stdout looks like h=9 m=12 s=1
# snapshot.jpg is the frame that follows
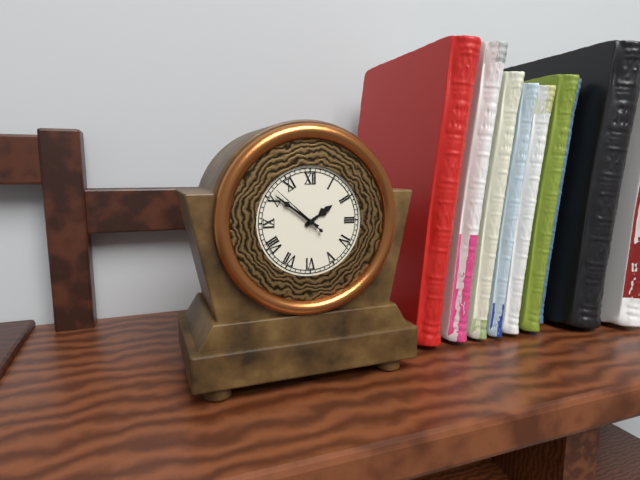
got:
h=1 m=51 s=52
